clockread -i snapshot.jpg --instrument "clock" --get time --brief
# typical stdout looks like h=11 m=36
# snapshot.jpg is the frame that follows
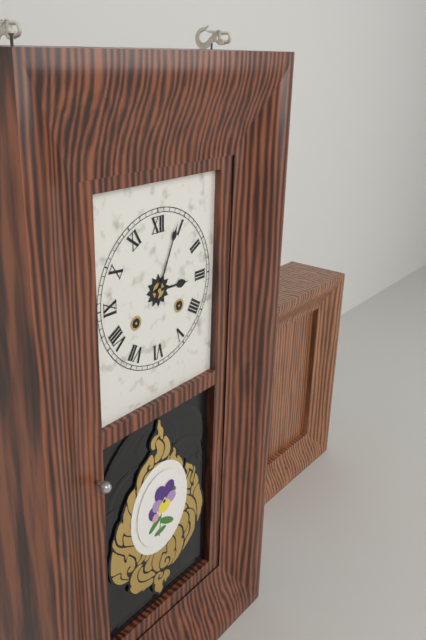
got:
h=3 m=4
